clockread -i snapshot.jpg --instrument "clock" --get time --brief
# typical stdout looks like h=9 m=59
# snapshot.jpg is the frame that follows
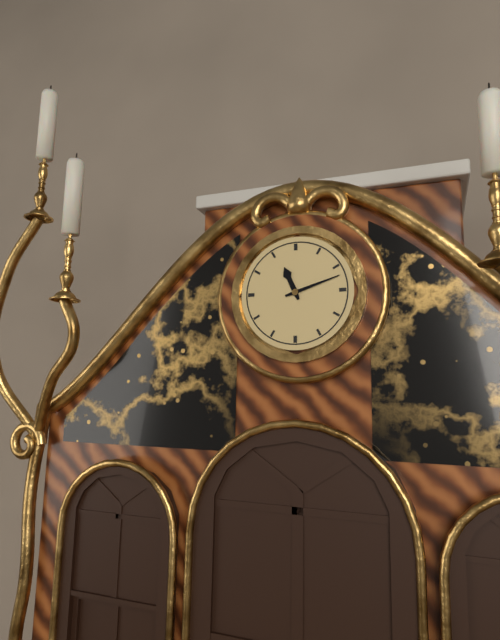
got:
h=11 m=12
